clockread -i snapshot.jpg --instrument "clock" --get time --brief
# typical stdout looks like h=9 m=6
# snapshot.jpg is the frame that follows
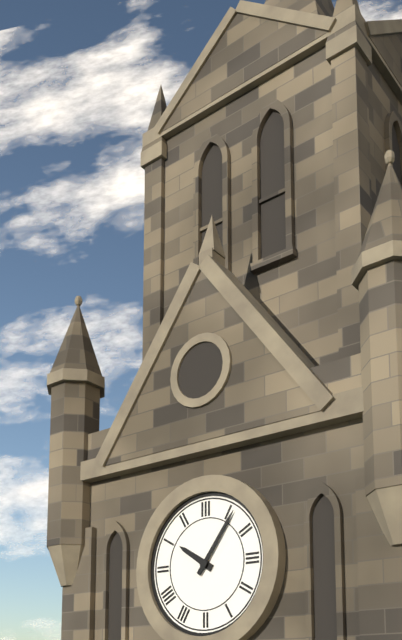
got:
h=10 m=6
